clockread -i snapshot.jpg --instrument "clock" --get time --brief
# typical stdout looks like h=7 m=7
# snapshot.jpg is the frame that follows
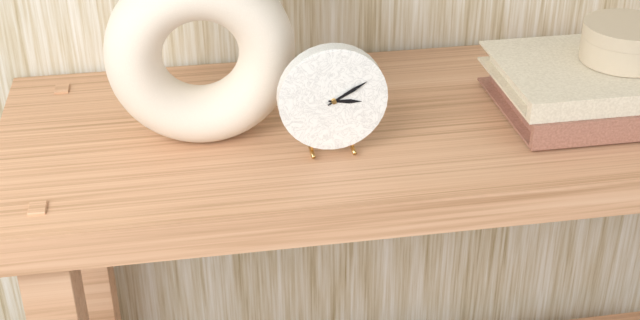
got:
h=3 m=10
